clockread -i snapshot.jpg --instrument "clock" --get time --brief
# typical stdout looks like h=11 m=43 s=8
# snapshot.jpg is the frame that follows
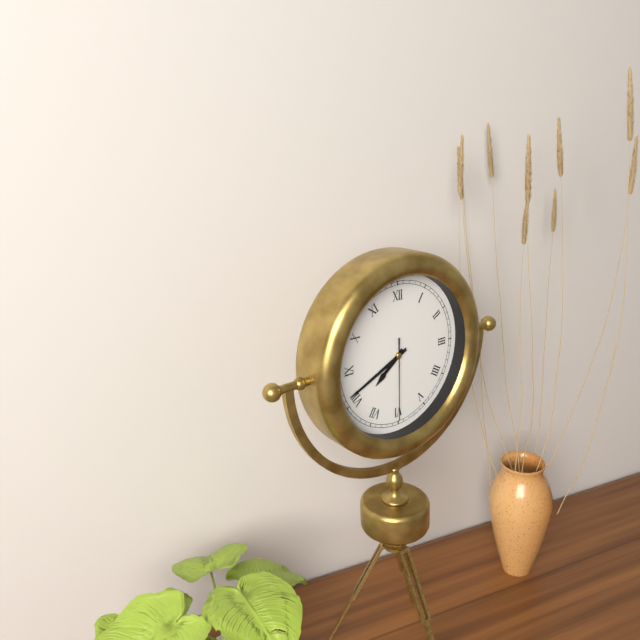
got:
h=7 m=41 s=30
